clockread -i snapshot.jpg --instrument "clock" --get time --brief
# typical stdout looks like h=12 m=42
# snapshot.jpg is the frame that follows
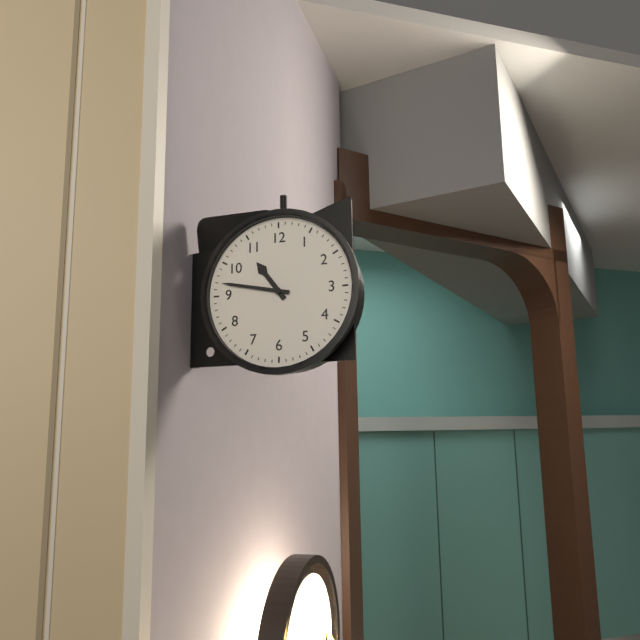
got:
h=10 m=47
